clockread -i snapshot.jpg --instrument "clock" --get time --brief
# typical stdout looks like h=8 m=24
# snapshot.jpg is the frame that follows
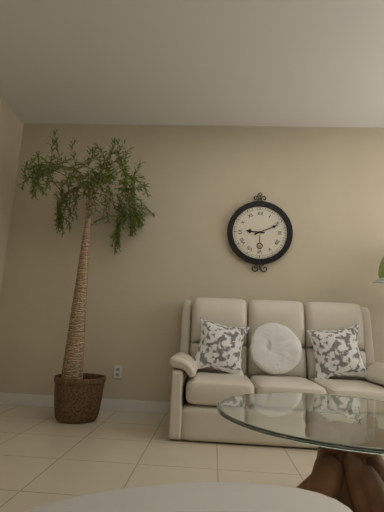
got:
h=9 m=11
